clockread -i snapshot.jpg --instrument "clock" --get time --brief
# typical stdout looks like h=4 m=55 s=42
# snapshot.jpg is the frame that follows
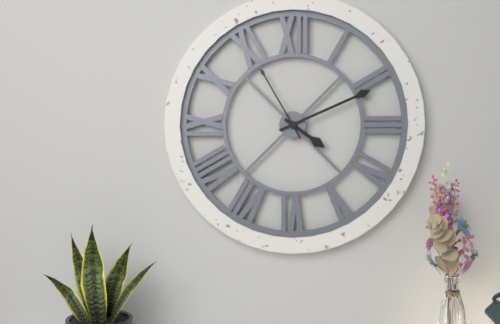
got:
h=4 m=11 s=55
